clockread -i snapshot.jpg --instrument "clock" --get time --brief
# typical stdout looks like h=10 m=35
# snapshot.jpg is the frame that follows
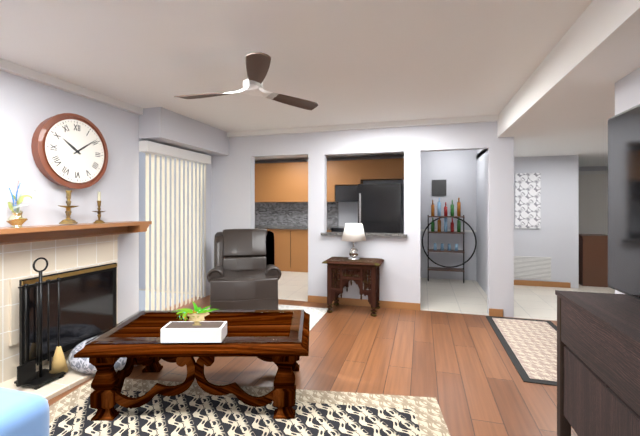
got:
h=10 m=9
